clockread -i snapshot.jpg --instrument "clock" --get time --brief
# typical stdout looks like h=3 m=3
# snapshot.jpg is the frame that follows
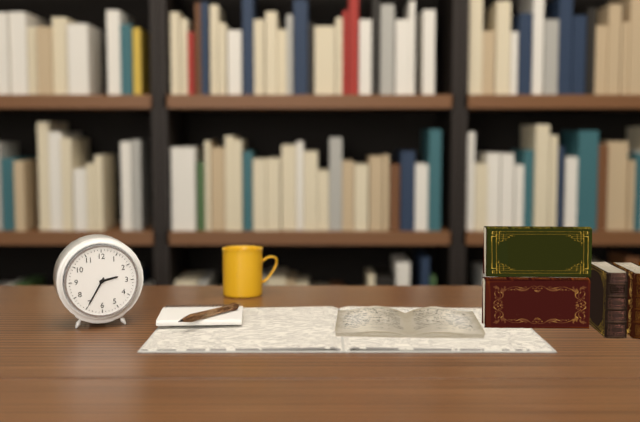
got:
h=2 m=35
